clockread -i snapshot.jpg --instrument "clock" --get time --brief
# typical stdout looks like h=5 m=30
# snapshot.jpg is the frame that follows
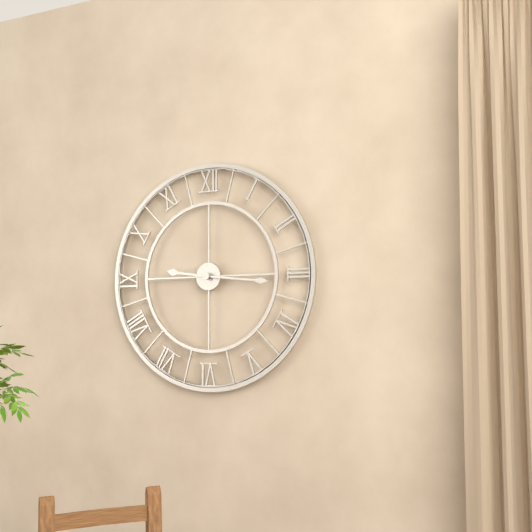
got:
h=9 m=16
